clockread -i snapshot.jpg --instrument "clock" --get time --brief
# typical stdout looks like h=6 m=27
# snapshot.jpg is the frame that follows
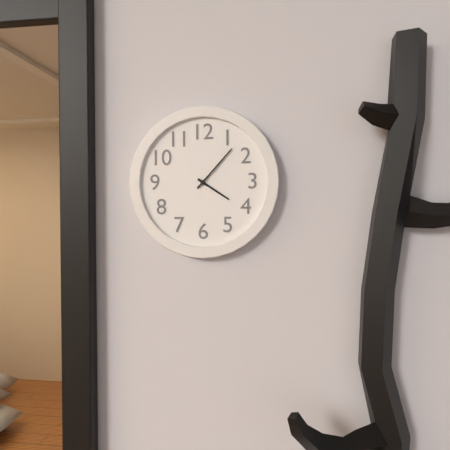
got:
h=4 m=7
